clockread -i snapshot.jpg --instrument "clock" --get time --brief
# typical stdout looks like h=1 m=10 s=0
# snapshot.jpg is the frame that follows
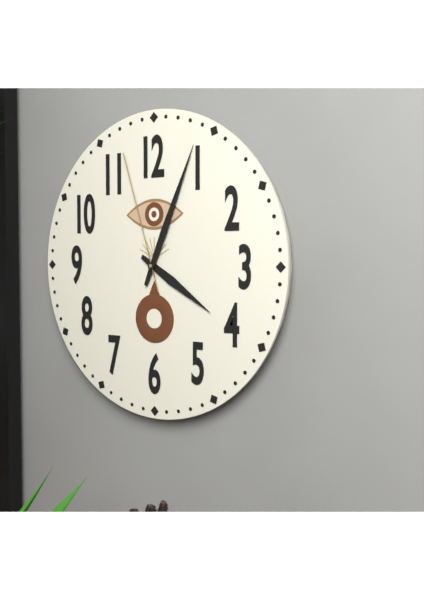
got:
h=4 m=4 s=57
